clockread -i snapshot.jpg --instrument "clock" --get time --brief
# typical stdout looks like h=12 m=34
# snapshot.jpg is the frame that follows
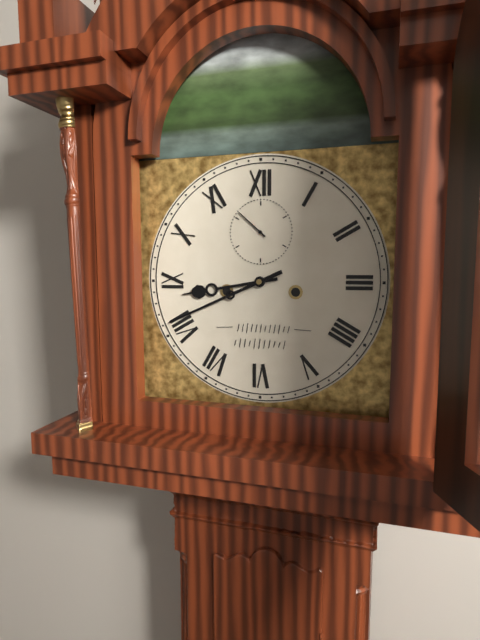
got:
h=8 m=41
